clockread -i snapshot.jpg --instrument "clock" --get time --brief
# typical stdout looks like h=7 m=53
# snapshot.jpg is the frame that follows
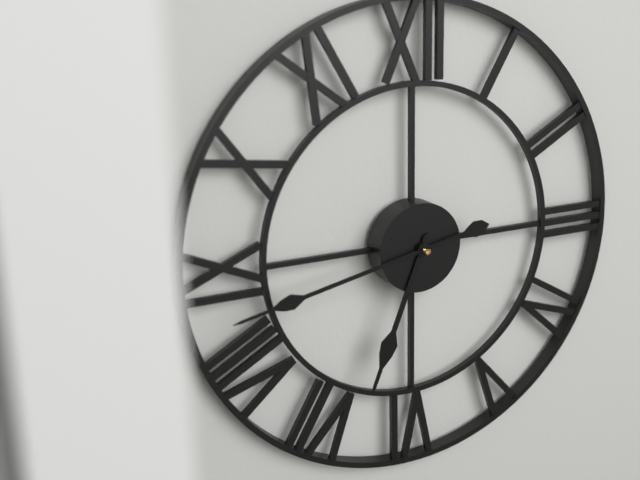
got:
h=6 m=43
